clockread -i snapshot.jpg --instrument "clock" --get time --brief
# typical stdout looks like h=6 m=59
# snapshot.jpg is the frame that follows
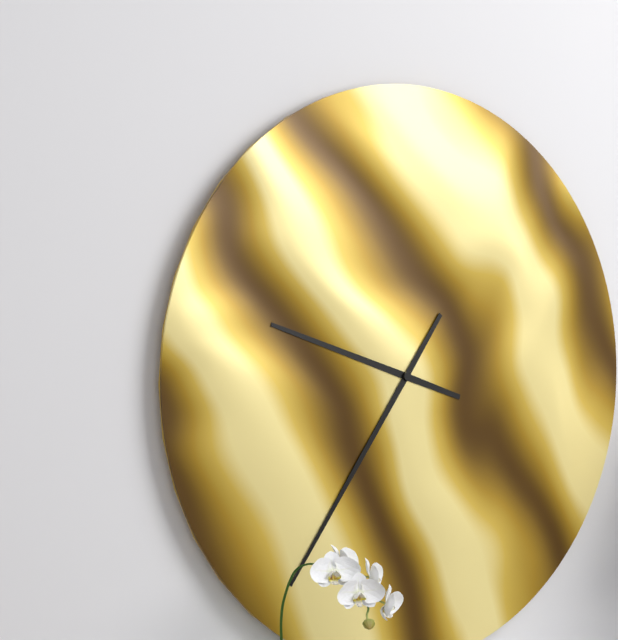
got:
h=9 m=36
